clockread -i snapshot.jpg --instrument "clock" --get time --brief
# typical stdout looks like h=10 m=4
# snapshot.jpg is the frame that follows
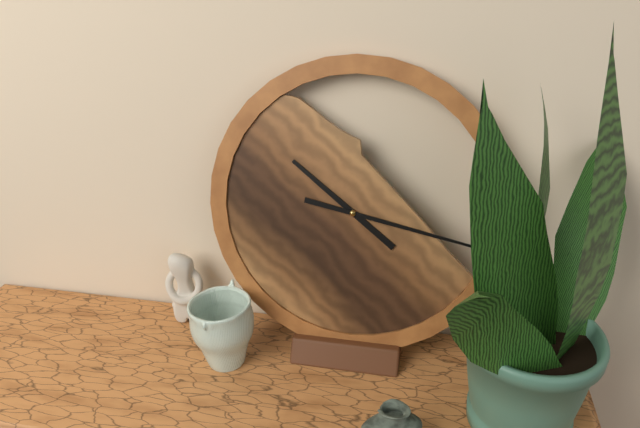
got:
h=10 m=17
